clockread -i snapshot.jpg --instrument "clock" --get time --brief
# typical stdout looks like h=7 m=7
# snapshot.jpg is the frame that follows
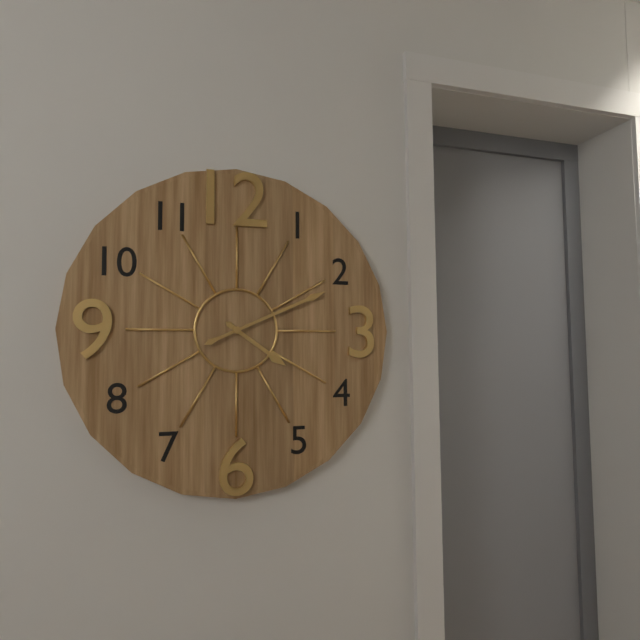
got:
h=4 m=11
